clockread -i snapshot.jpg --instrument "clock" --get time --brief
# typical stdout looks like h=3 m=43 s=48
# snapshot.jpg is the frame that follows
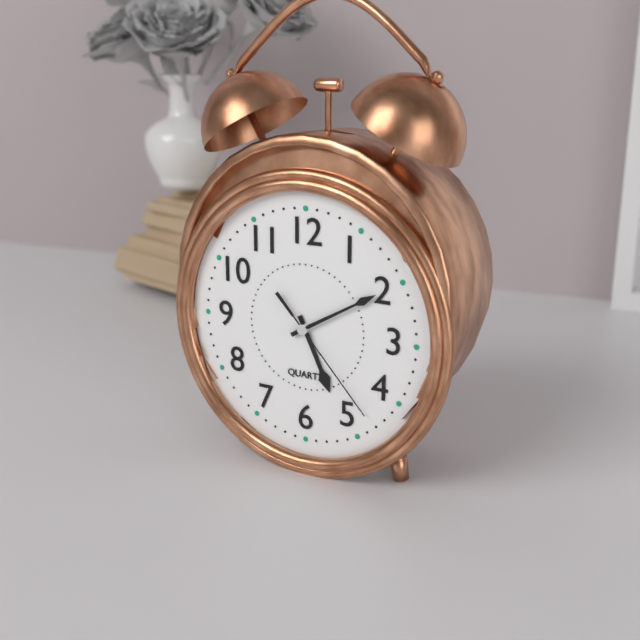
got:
h=5 m=10 s=23
